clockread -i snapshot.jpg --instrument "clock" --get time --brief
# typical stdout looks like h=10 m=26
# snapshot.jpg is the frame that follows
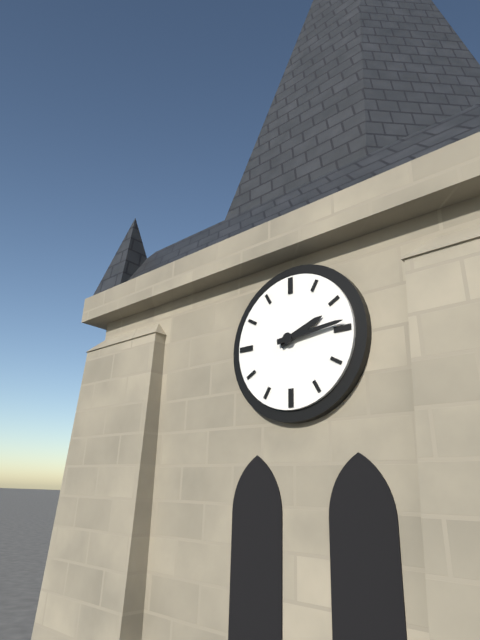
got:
h=2 m=14
